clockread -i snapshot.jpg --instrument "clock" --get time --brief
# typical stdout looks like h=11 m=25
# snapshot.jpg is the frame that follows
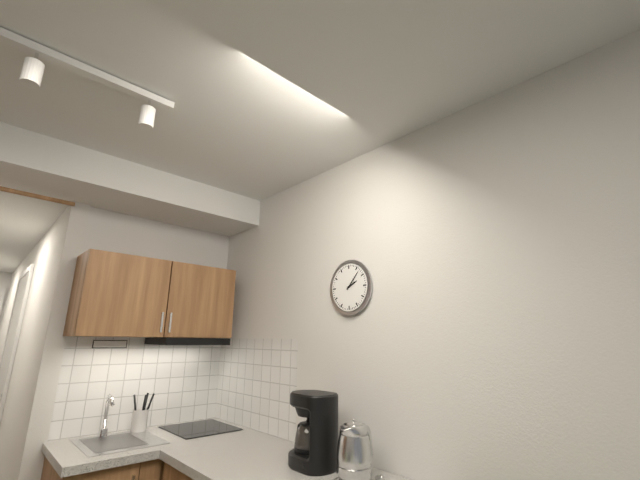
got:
h=2 m=7
